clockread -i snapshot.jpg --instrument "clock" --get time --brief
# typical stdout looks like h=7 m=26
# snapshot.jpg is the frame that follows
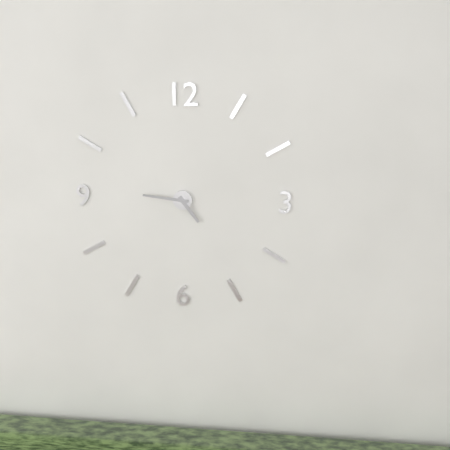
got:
h=4 m=46
